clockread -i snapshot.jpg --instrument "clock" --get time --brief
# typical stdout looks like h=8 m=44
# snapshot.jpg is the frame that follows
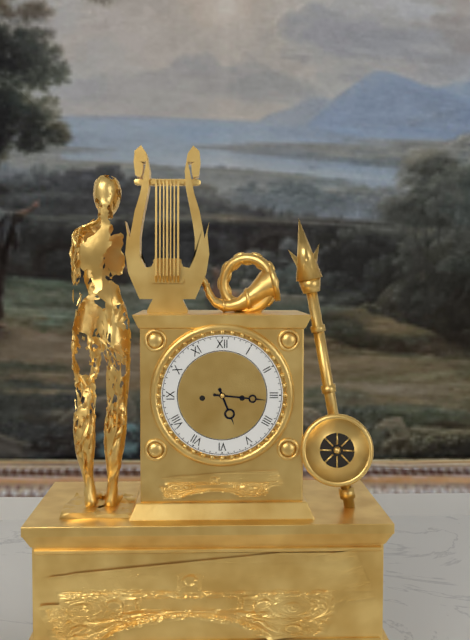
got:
h=5 m=16
